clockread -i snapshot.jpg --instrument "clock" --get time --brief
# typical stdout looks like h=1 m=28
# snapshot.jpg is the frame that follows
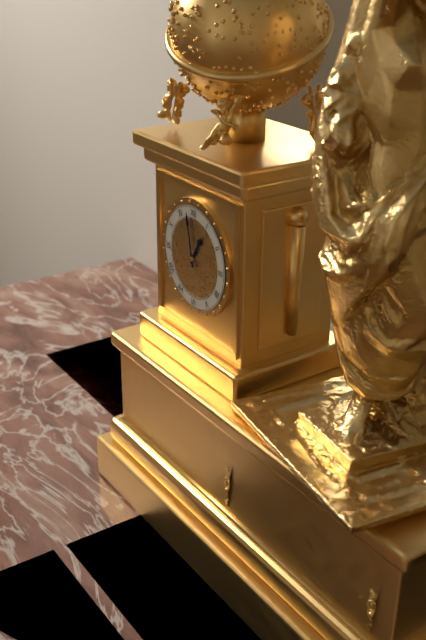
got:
h=12 m=58
